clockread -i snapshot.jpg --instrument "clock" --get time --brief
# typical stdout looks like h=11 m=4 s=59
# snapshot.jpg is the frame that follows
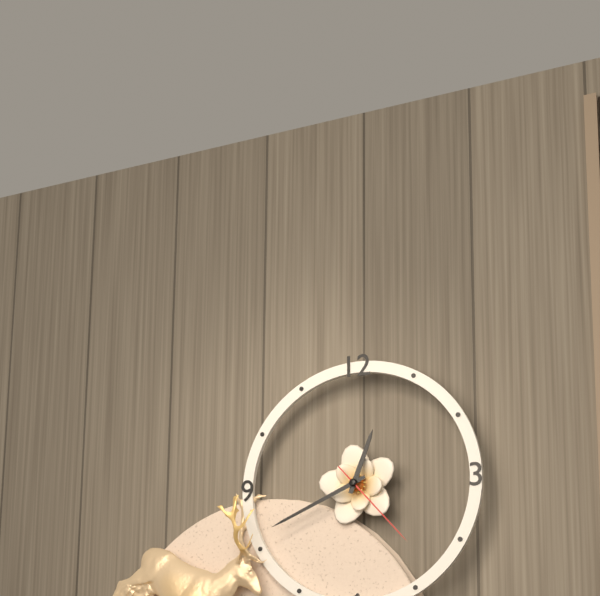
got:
h=12 m=41 s=23
